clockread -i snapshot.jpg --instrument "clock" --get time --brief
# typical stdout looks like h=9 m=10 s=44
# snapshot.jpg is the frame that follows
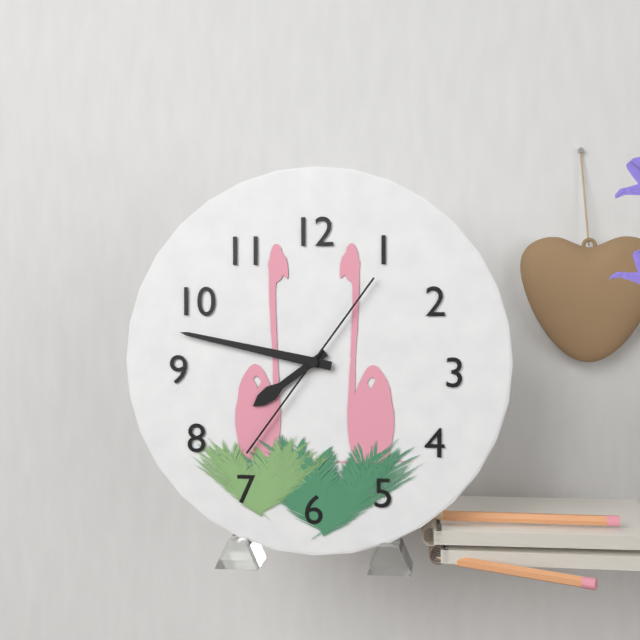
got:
h=7 m=47 s=36
